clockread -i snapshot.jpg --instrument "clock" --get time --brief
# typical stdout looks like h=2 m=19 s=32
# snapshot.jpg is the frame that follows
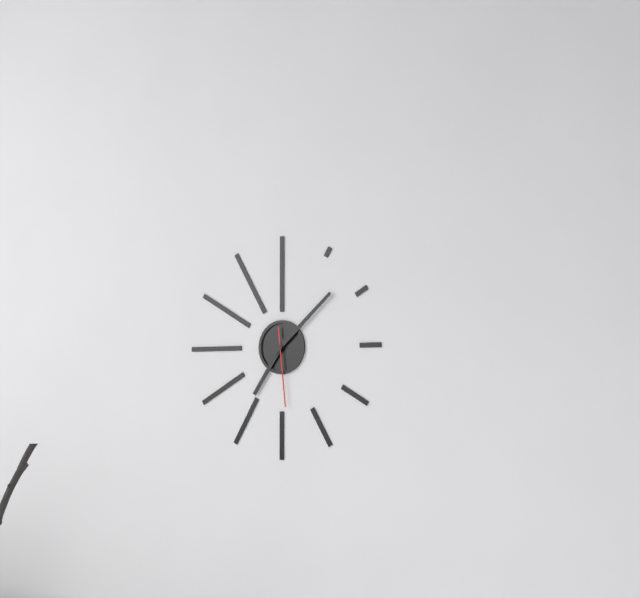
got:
h=7 m=8 s=29
